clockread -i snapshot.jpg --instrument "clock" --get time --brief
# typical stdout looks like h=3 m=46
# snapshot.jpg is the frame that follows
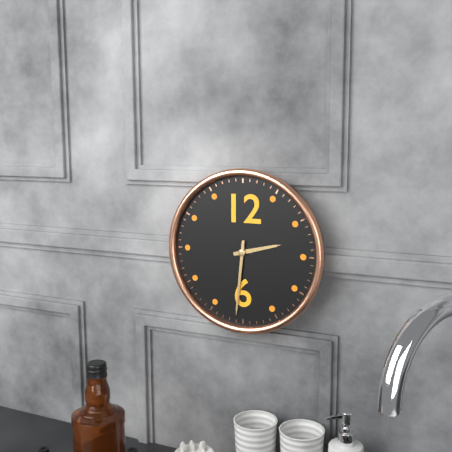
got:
h=2 m=31
